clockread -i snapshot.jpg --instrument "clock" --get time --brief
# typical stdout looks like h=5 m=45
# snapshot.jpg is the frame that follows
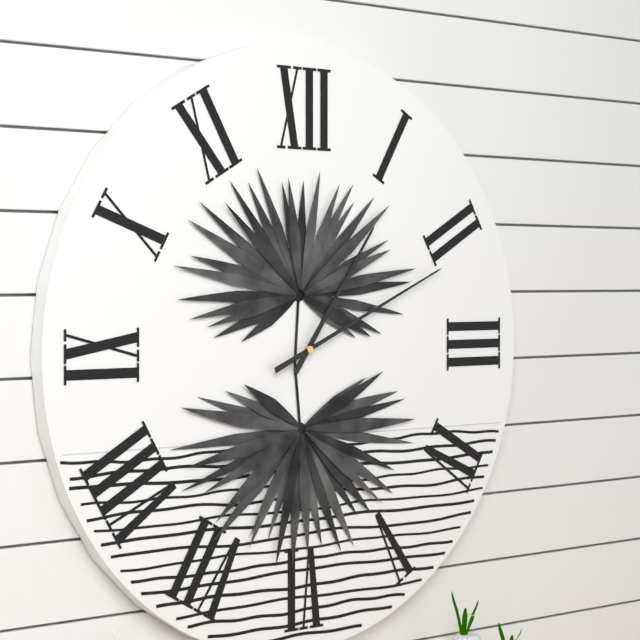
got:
h=1 m=11
